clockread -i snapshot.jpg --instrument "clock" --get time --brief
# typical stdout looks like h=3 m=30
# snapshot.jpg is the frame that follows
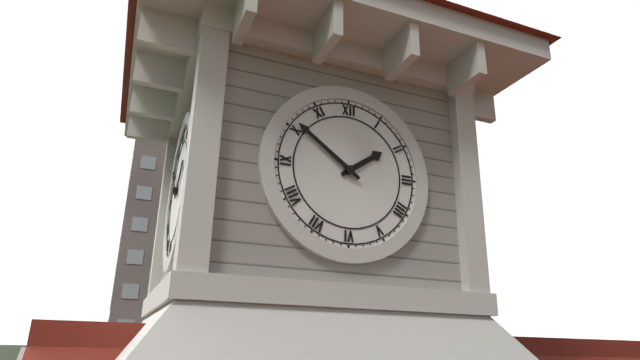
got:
h=1 m=51
